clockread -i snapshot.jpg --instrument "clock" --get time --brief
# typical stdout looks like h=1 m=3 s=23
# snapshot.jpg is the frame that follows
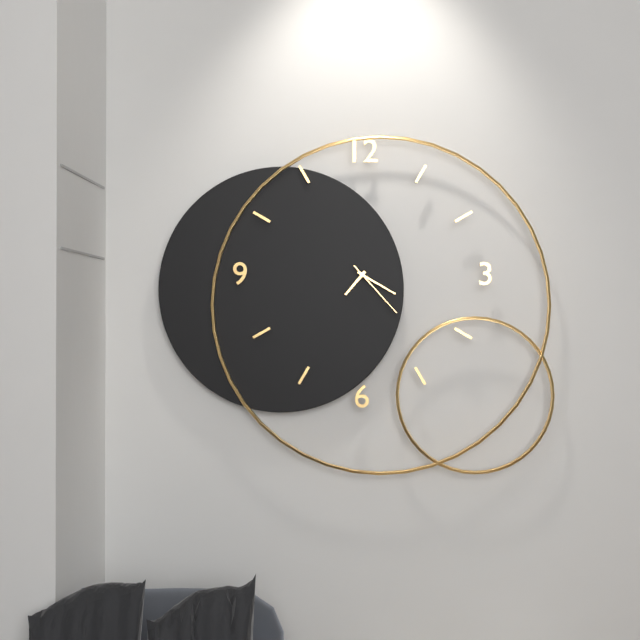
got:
h=7 m=20 s=23
